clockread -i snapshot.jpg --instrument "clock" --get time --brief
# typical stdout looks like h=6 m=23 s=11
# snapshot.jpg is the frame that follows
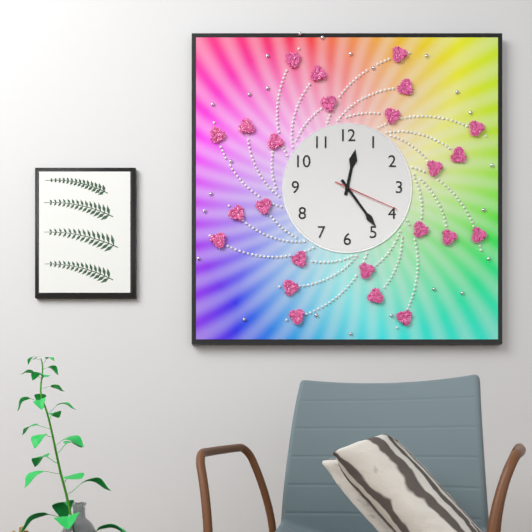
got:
h=12 m=24 s=19
